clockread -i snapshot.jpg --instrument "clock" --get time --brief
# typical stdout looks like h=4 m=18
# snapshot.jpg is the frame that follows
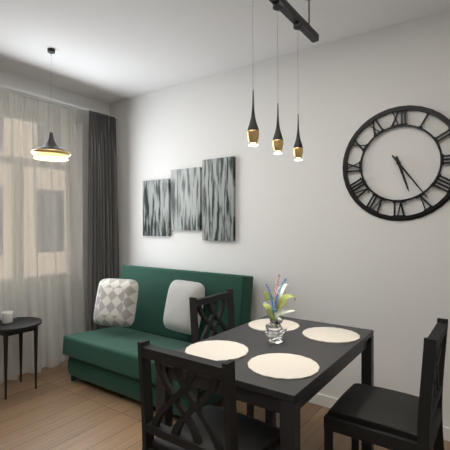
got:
h=5 m=24
